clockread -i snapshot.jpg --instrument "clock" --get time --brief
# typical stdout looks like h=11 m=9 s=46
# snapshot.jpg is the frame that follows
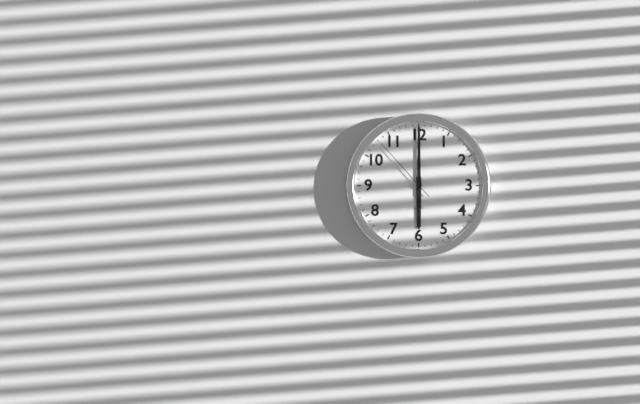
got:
h=6 m=0 s=53
